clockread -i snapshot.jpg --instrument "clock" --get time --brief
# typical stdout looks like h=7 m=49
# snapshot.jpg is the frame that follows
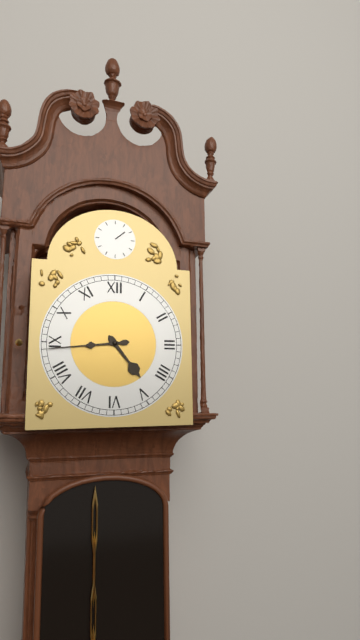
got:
h=4 m=44
